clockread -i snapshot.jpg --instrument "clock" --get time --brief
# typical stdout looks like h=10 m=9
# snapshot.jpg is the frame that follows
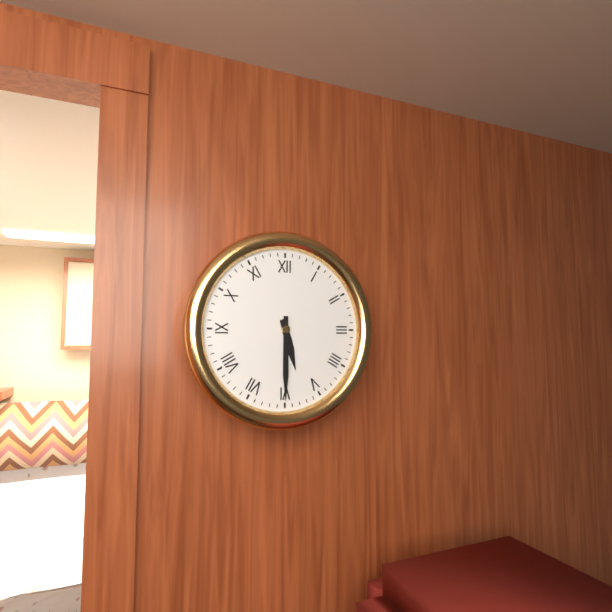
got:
h=5 m=30
